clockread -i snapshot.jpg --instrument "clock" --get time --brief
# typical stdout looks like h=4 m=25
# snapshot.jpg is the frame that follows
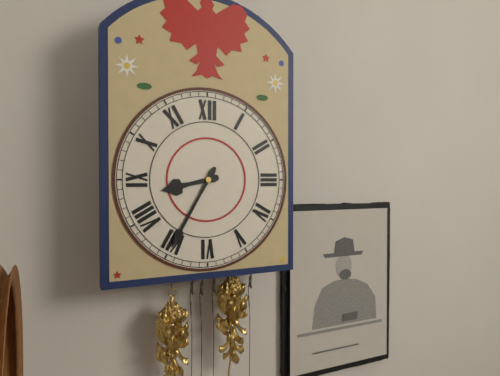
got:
h=8 m=35
